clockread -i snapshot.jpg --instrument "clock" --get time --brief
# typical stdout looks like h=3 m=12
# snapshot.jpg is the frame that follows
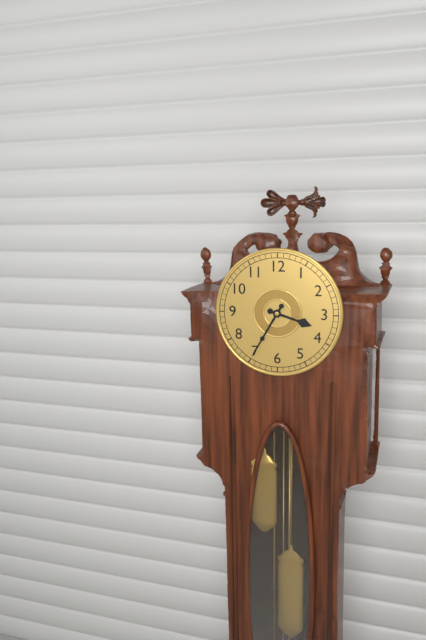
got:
h=3 m=35
